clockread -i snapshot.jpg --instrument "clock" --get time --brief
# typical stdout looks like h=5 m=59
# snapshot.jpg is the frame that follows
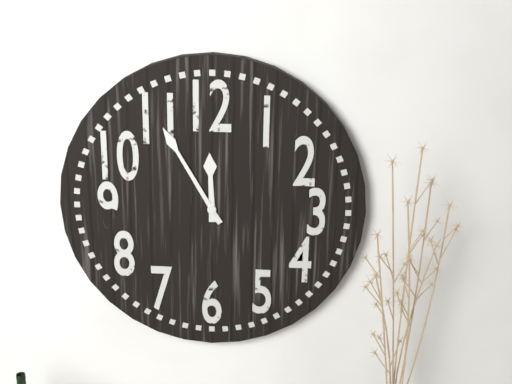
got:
h=11 m=55
